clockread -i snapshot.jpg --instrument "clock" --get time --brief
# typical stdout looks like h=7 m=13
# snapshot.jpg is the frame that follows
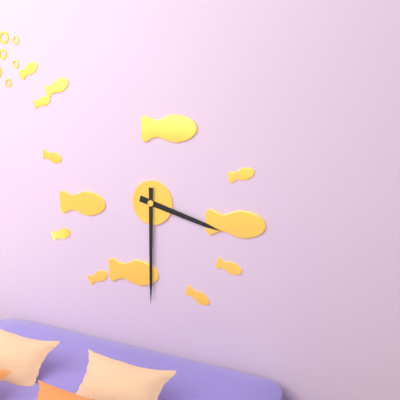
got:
h=3 m=30
